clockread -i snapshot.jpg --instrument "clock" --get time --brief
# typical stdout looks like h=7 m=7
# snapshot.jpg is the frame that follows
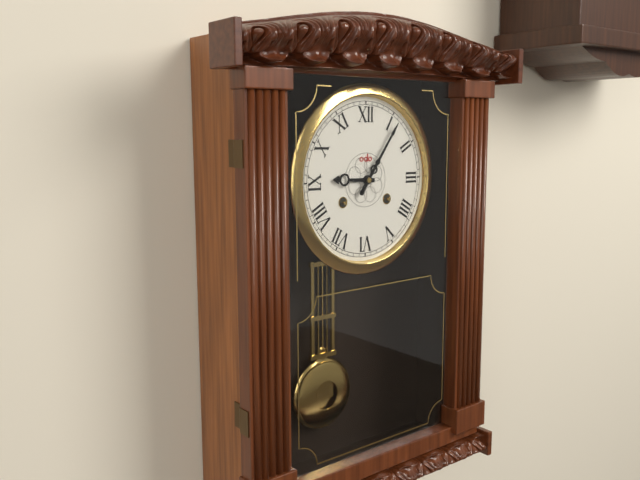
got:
h=9 m=6
